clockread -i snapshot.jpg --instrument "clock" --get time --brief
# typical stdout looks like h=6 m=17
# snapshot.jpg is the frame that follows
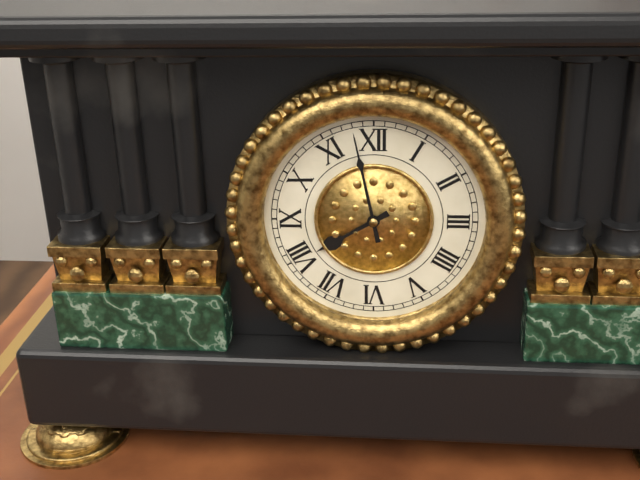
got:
h=7 m=58
